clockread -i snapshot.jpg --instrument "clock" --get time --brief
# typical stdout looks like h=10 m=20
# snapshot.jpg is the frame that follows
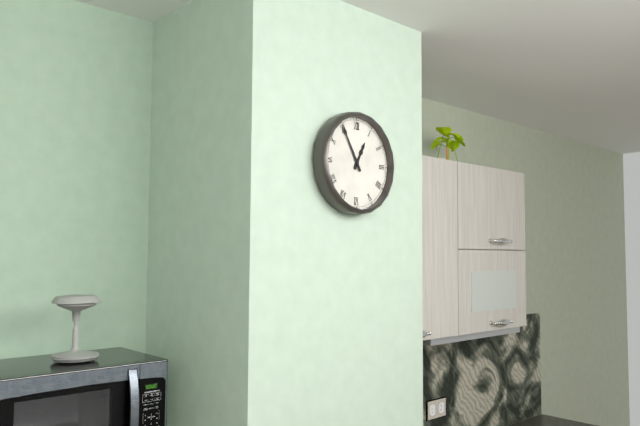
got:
h=12 m=55
